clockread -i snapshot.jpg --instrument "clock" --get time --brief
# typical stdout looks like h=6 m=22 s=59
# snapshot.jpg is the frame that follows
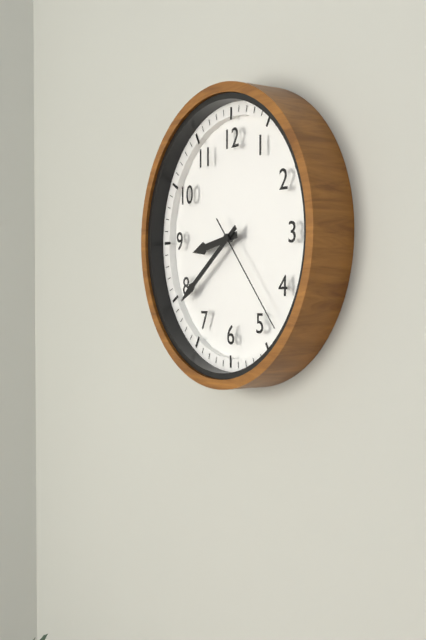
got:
h=8 m=39 s=23
